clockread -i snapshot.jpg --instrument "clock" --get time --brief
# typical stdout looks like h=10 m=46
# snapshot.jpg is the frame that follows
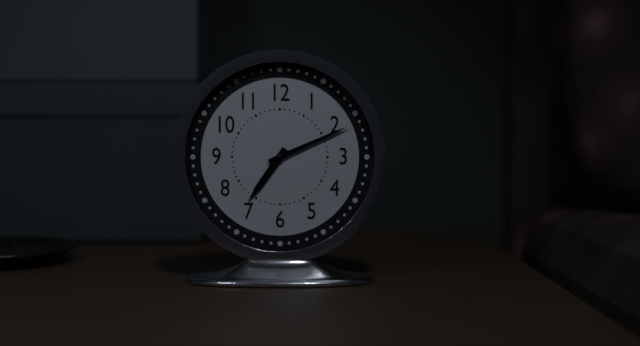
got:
h=7 m=11
